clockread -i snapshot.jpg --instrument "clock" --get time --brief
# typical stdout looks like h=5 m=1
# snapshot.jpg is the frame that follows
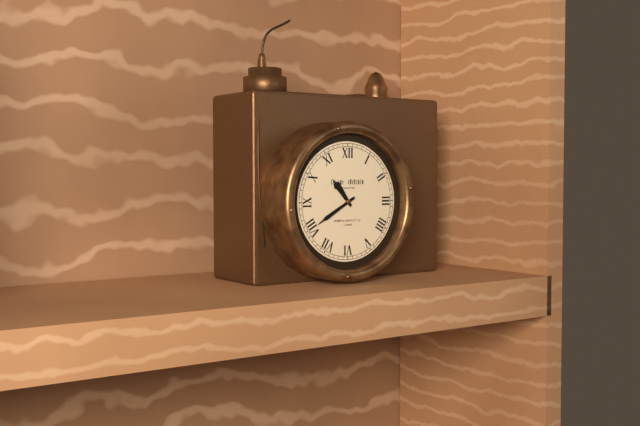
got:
h=10 m=40
